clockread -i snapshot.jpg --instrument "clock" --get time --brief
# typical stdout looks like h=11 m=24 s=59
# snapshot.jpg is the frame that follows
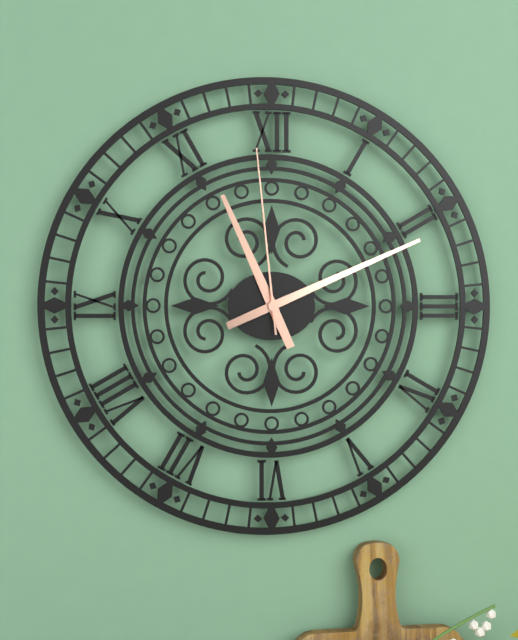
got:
h=11 m=11 s=59
